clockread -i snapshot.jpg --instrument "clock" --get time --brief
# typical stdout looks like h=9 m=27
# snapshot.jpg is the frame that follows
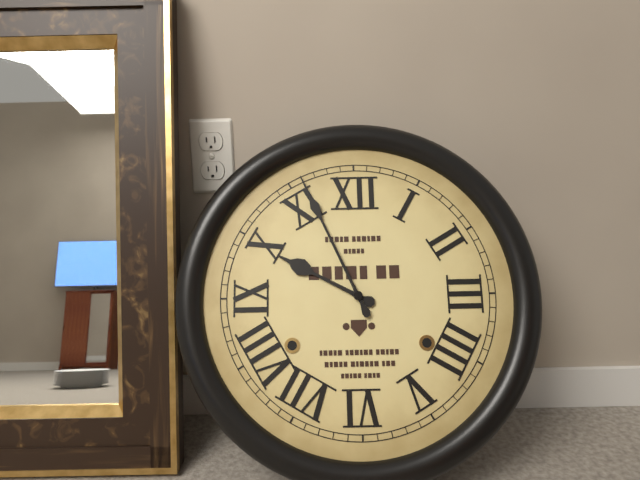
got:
h=9 m=56
